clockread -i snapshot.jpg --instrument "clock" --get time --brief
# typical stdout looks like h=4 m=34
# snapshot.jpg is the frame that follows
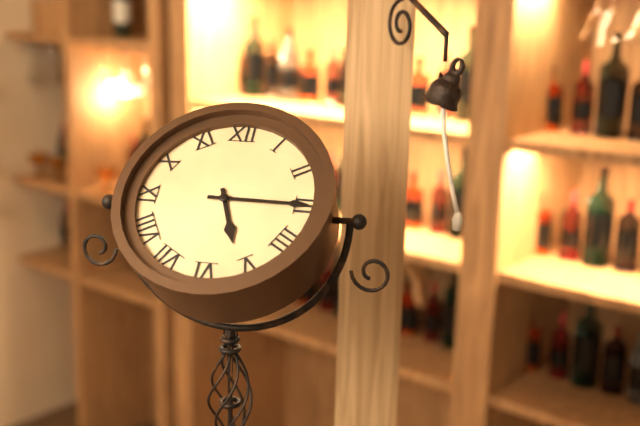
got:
h=5 m=15
